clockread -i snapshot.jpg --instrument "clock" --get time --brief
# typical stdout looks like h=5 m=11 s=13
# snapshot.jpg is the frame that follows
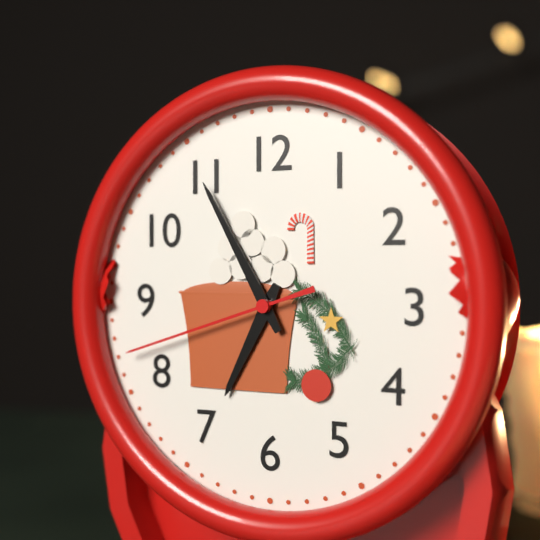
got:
h=6 m=55 s=42
